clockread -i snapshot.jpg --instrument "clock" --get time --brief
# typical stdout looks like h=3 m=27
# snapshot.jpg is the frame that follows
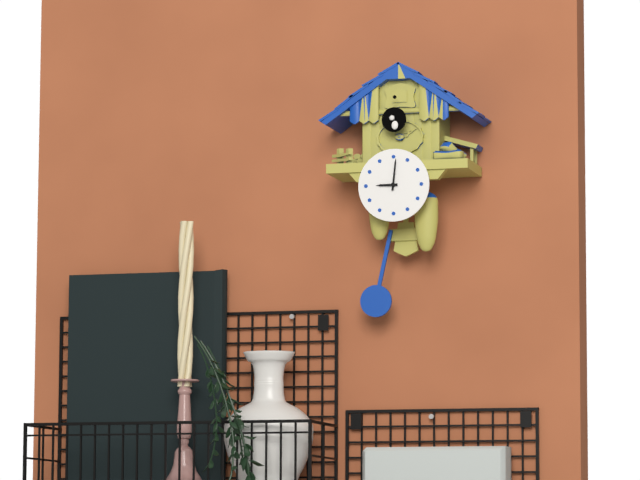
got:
h=9 m=1
